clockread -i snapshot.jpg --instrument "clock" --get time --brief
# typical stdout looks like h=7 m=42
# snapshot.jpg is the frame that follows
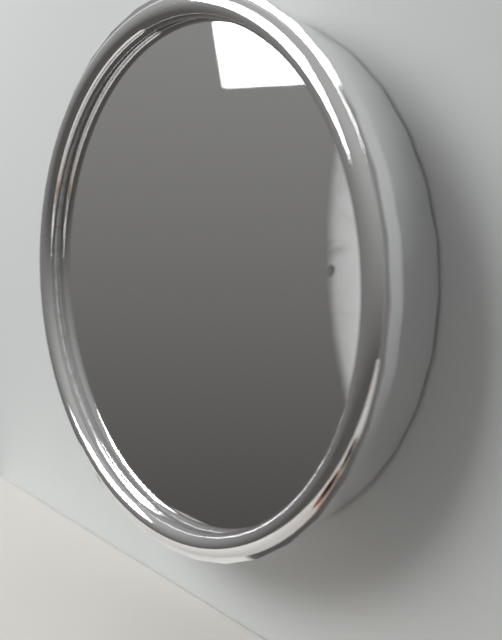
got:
h=11 m=13
